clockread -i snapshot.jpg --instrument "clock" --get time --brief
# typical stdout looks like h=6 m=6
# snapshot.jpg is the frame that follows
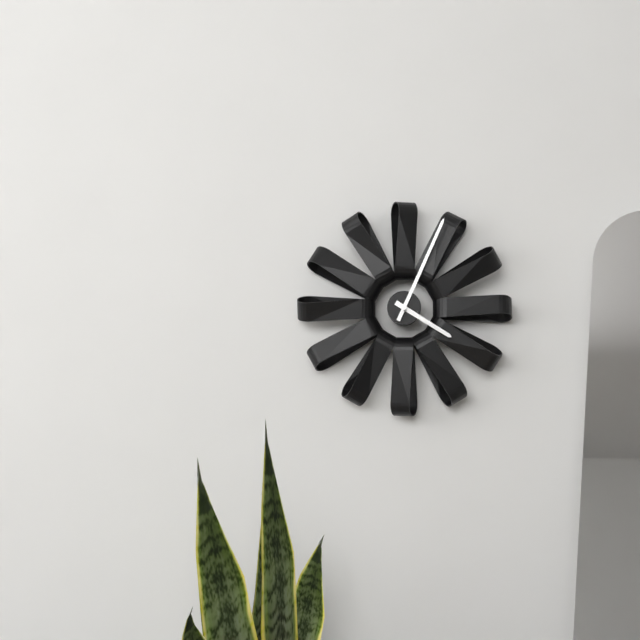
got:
h=4 m=4
